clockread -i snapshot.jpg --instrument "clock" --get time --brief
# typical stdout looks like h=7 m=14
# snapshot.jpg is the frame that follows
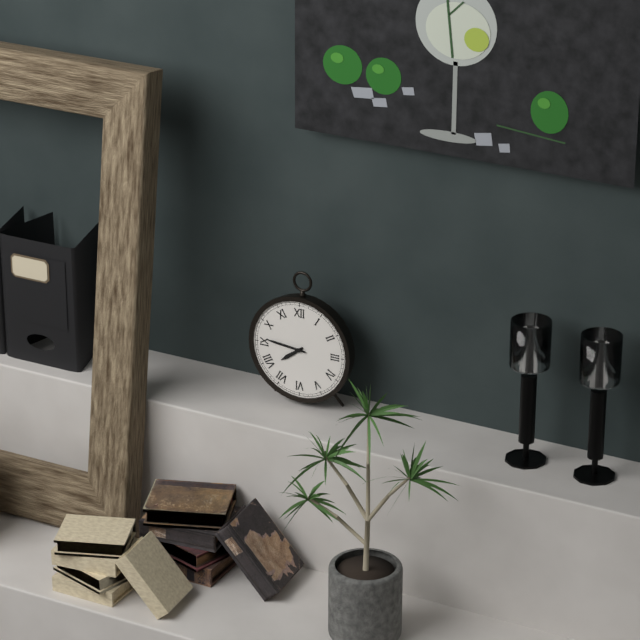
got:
h=7 m=46
